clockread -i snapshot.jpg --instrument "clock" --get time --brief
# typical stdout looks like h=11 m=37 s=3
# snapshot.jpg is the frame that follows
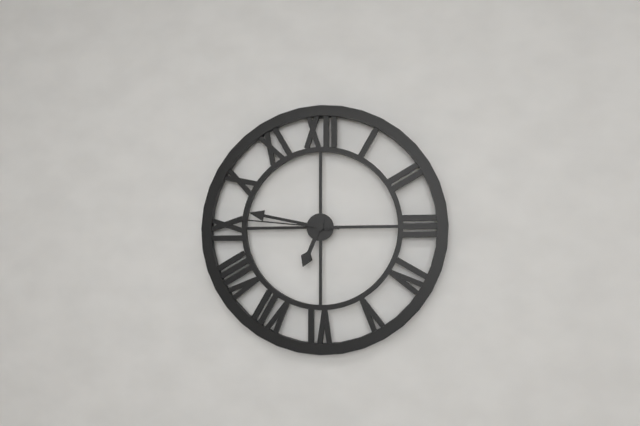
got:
h=6 m=47 s=46
